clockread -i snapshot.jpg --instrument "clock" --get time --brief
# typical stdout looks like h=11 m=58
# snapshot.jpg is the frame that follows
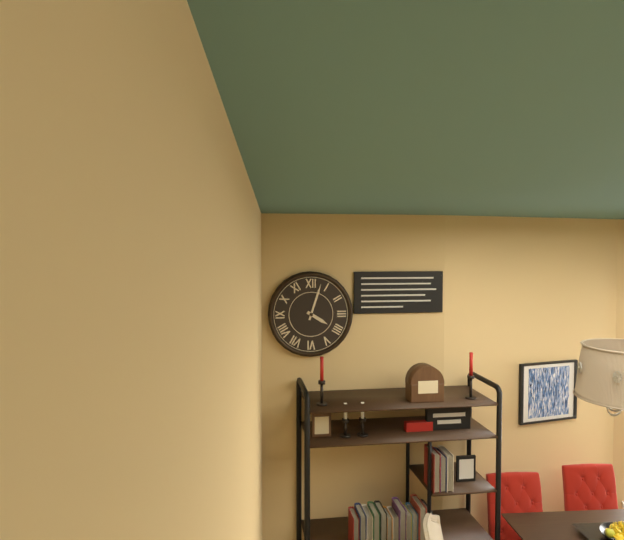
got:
h=4 m=3
